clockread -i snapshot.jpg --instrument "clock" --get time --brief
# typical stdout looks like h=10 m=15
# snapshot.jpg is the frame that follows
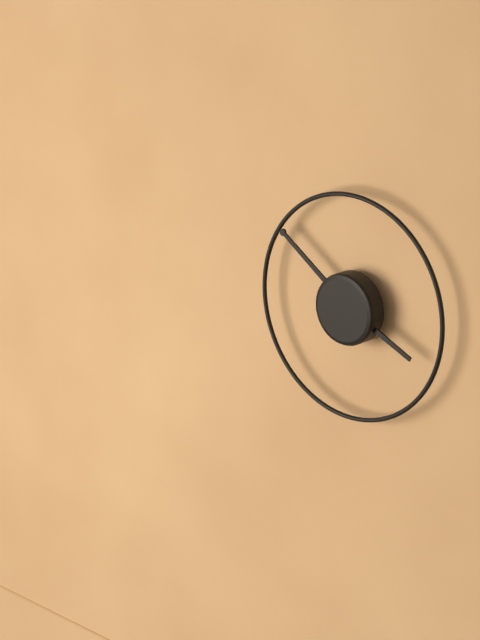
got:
h=3 m=51
